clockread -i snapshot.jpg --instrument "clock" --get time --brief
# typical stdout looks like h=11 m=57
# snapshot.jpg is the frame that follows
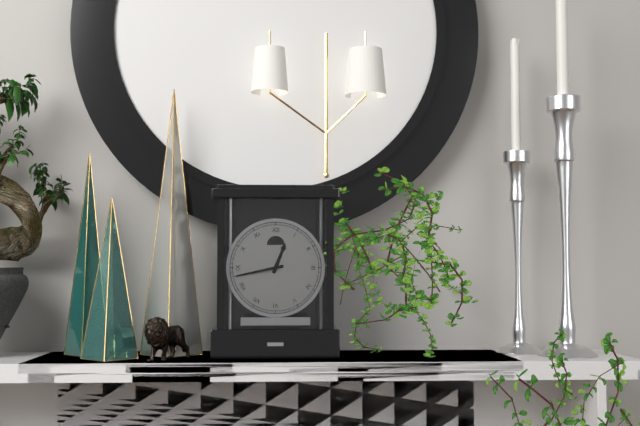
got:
h=12 m=43
